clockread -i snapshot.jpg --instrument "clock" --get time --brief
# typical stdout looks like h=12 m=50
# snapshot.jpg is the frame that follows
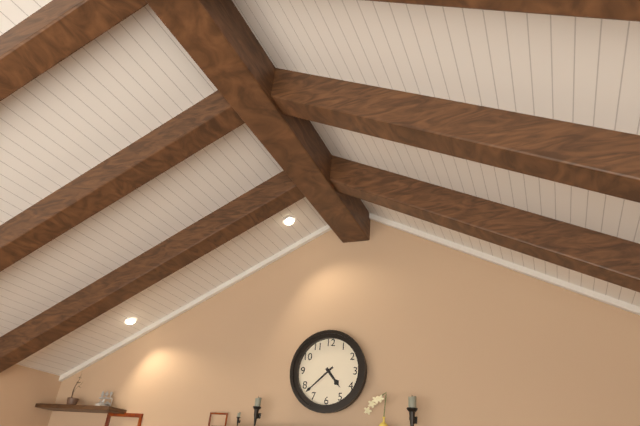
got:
h=4 m=38
